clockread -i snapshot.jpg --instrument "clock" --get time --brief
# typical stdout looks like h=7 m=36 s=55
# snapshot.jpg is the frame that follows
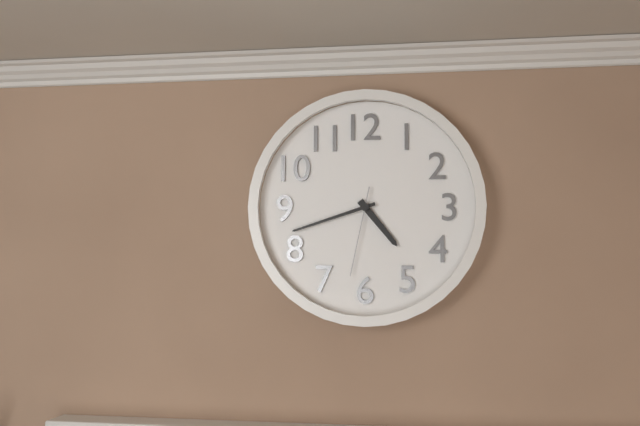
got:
h=4 m=42 s=32
